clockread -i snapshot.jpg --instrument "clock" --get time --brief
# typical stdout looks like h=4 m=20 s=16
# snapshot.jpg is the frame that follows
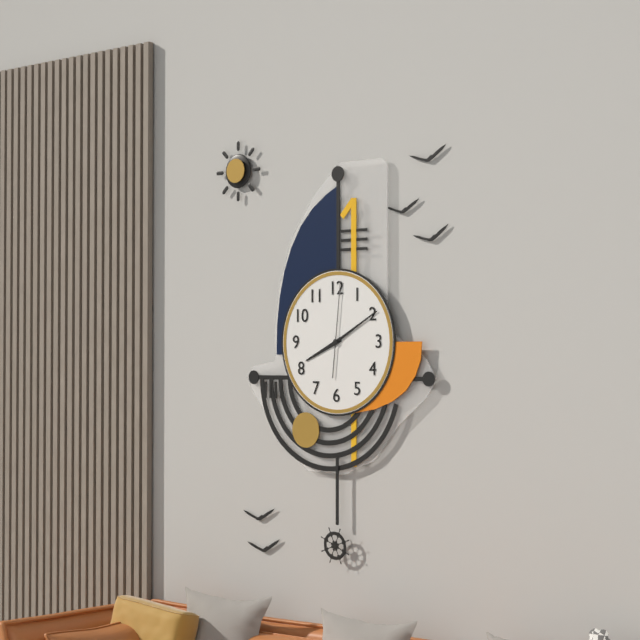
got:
h=8 m=10 s=1
